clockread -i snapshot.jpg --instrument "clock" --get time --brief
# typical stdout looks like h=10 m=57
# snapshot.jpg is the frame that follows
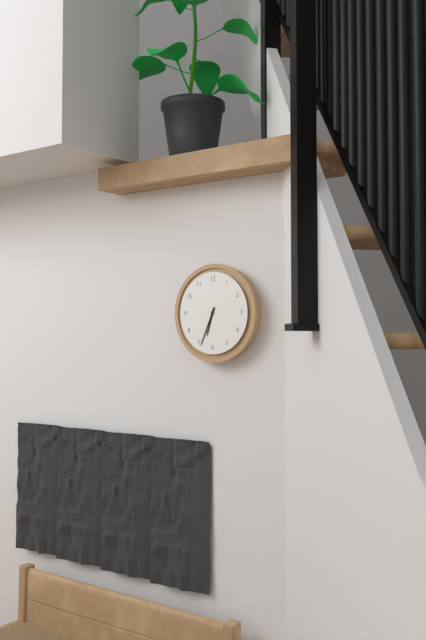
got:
h=6 m=34
